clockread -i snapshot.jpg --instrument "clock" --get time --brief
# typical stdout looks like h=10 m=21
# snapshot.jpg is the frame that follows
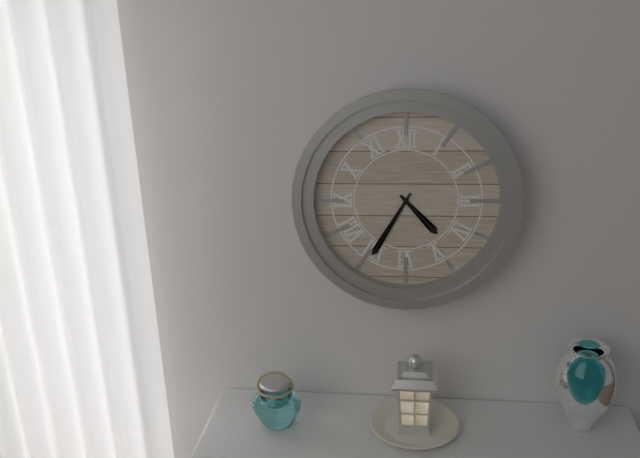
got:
h=4 m=35
